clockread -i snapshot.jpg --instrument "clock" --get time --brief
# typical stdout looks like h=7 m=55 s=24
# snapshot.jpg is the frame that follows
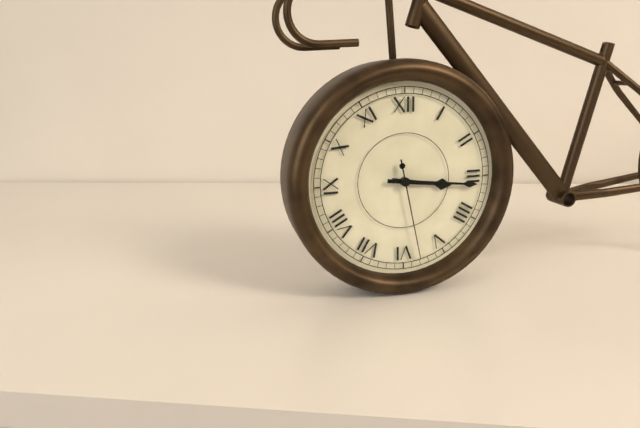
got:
h=3 m=16 s=28
